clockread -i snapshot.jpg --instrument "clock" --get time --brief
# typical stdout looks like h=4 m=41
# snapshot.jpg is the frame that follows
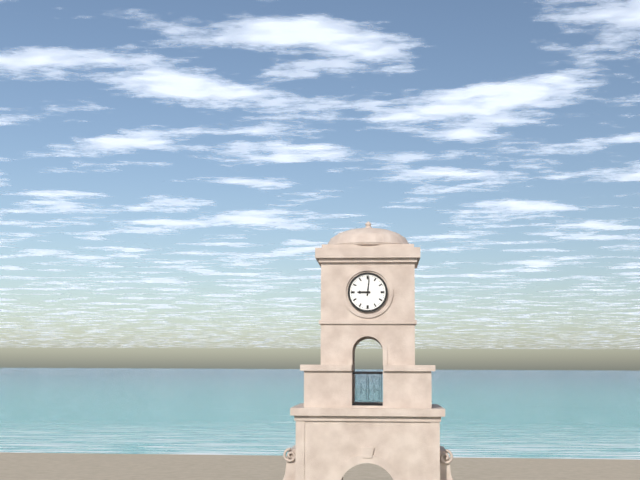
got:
h=9 m=1
